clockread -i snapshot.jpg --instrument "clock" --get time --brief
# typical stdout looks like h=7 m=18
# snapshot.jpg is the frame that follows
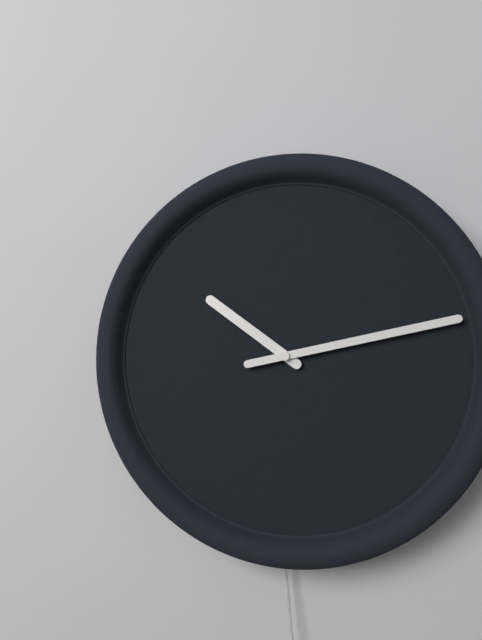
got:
h=10 m=13
